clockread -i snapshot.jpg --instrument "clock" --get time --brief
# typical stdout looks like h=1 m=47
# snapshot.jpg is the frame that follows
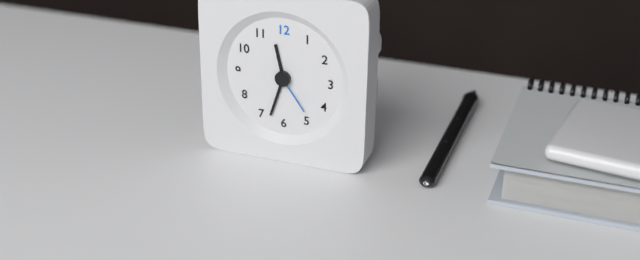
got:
h=11 m=33
